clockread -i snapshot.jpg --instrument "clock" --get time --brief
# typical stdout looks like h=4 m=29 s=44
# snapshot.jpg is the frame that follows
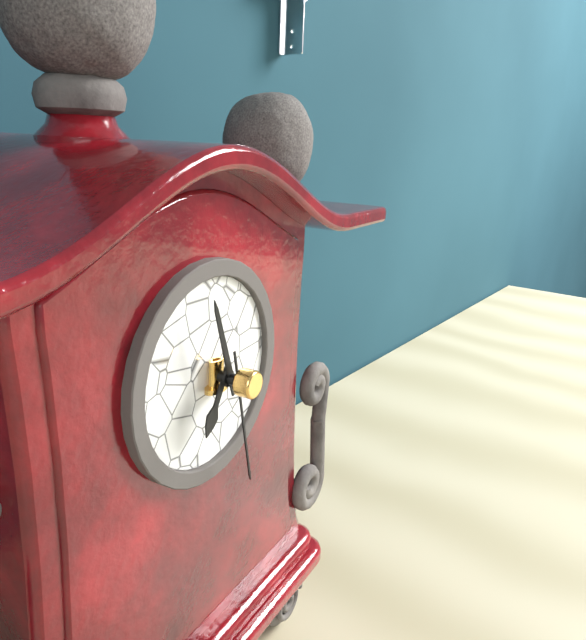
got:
h=6 m=57 s=28
